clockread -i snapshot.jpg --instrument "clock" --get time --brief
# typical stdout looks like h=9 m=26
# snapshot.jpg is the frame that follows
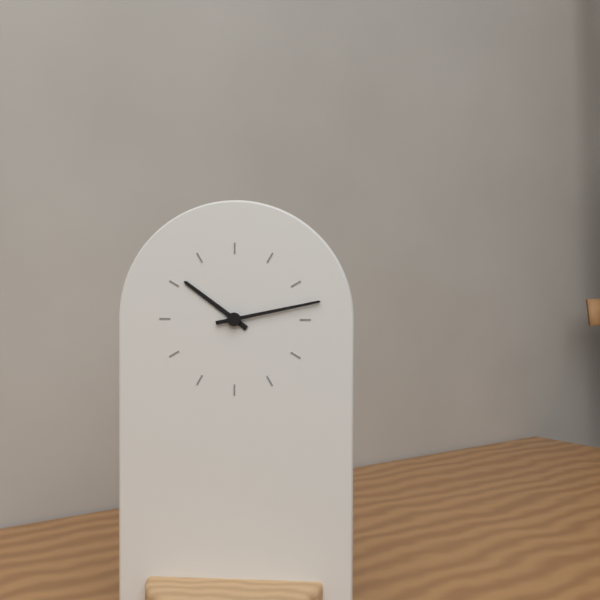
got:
h=10 m=13
